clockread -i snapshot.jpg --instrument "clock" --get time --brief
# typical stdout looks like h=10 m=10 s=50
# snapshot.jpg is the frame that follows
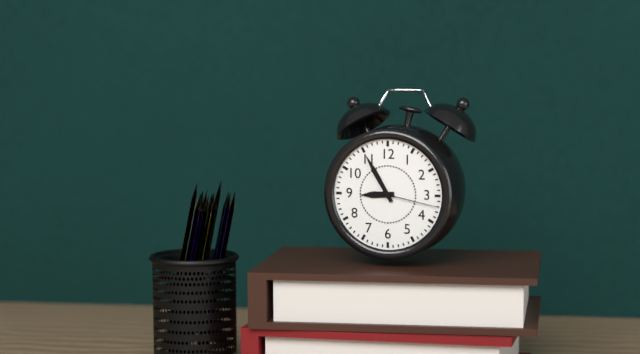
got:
h=8 m=55 s=17
